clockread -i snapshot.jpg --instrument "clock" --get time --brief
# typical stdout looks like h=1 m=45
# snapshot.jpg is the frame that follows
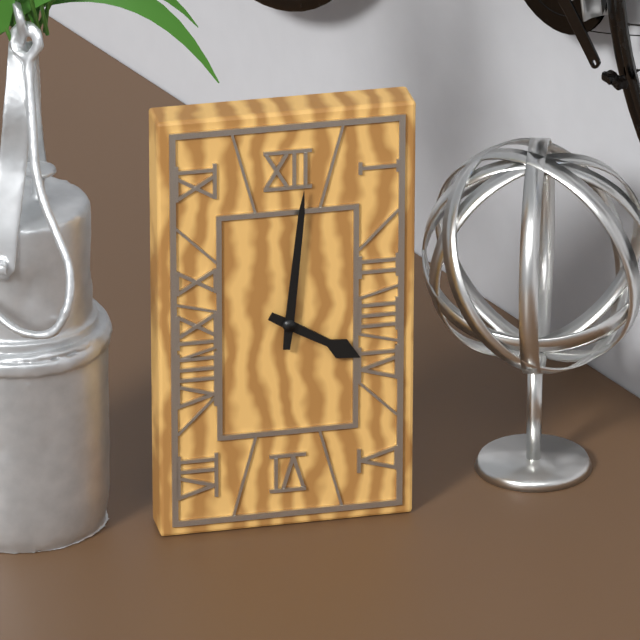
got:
h=4 m=1
